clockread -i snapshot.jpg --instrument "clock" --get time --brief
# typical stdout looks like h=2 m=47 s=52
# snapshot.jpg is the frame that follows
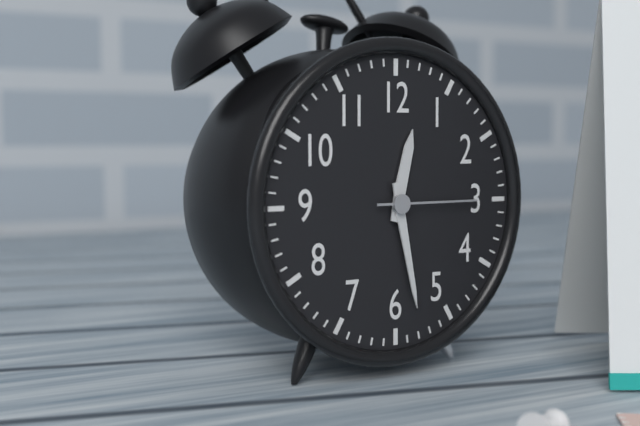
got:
h=12 m=28 s=15
